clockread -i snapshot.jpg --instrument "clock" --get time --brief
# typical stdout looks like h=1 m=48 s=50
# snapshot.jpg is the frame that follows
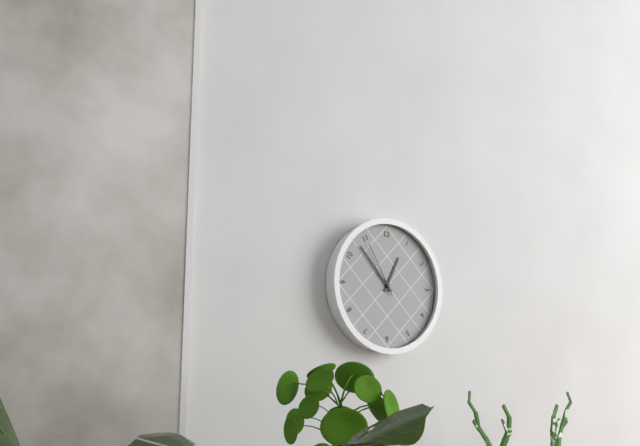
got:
h=12 m=53 s=55
